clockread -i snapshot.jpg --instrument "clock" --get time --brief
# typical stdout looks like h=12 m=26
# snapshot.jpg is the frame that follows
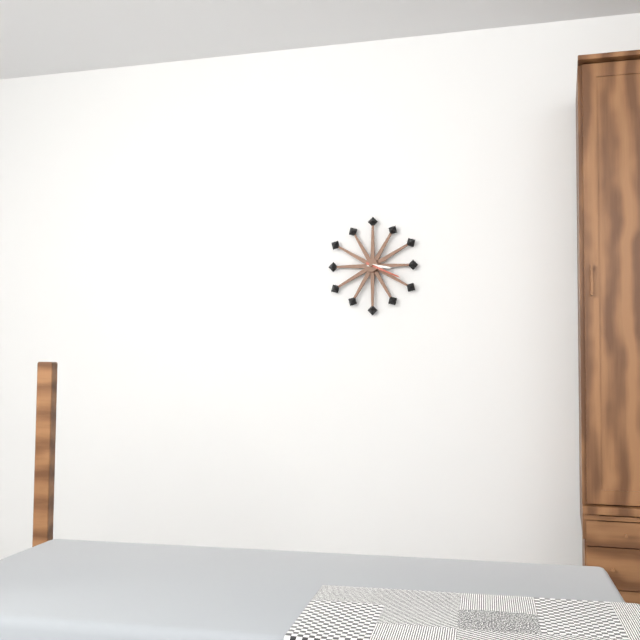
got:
h=3 m=19
